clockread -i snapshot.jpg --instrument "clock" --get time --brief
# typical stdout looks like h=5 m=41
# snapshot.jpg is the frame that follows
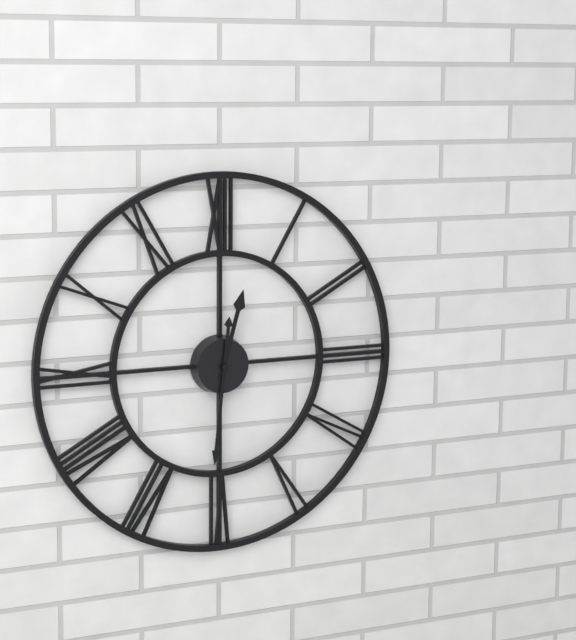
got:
h=12 m=31
